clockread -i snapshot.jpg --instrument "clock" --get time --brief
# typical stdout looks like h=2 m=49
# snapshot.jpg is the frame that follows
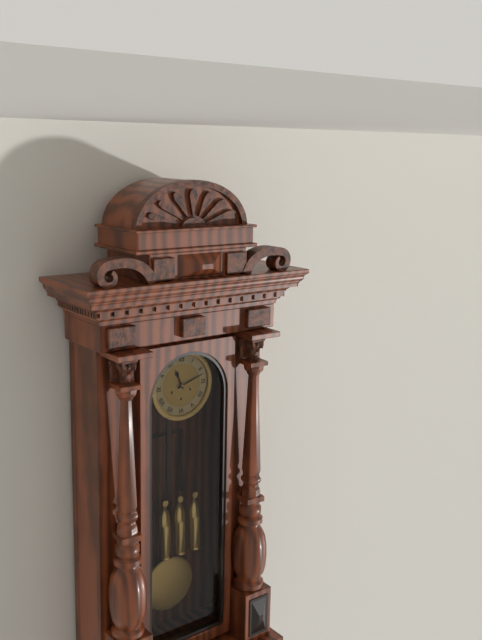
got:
h=11 m=12
